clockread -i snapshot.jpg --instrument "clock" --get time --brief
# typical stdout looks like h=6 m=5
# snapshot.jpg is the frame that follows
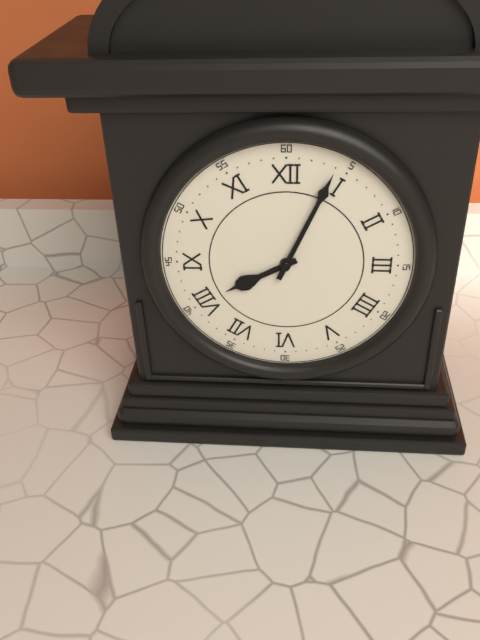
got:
h=8 m=4
